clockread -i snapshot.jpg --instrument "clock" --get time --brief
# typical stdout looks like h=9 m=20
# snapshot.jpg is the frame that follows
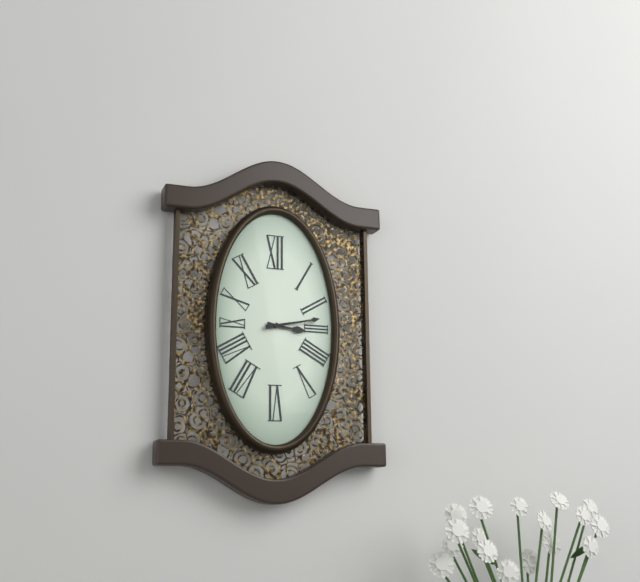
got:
h=3 m=13
